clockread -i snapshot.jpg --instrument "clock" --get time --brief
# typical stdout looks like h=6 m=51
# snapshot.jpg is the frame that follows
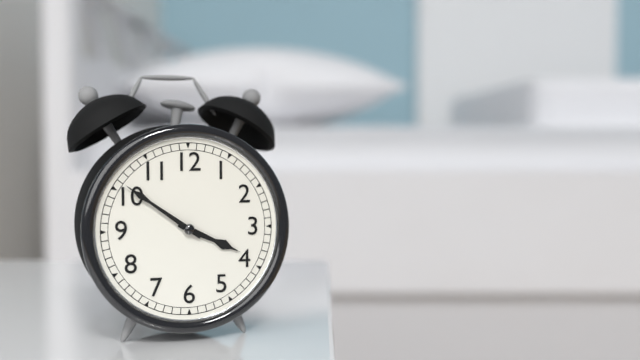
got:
h=3 m=51
